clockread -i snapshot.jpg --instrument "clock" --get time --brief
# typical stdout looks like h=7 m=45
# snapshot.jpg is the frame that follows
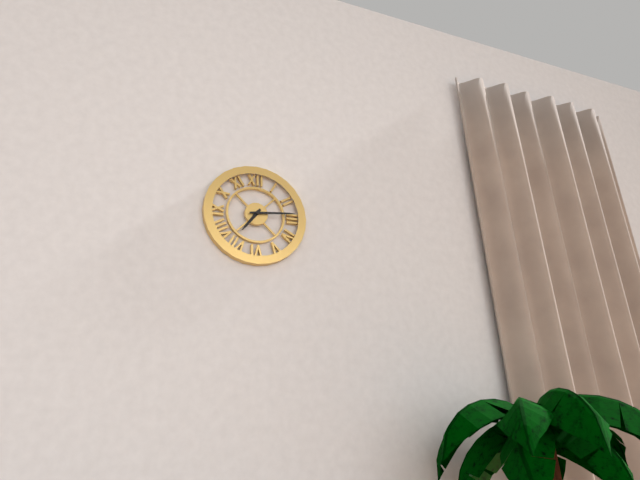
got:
h=7 m=14
